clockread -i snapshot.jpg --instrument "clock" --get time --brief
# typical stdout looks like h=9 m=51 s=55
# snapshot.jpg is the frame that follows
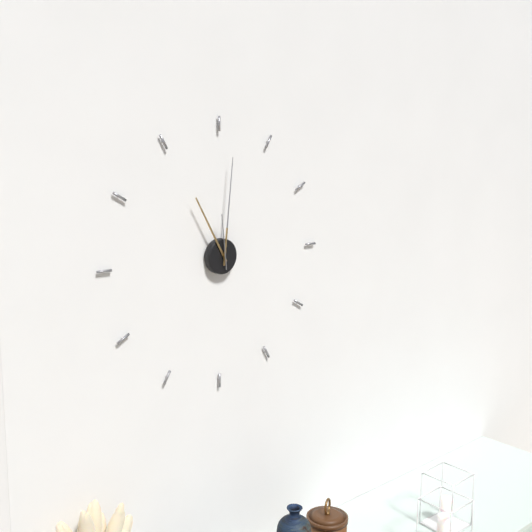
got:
h=11 m=1 s=59
